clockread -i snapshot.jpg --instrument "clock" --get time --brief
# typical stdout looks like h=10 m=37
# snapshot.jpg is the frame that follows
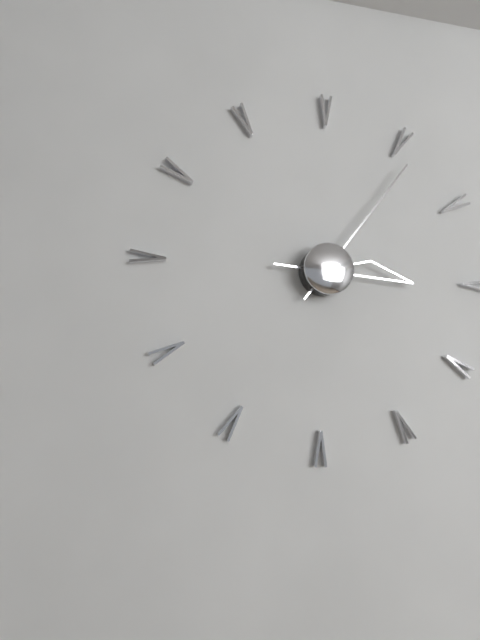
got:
h=3 m=6
